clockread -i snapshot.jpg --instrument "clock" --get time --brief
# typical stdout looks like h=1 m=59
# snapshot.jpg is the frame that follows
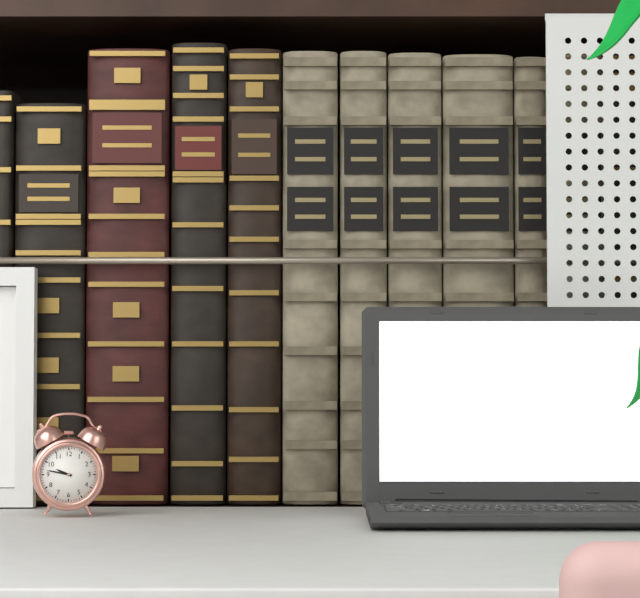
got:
h=9 m=47
